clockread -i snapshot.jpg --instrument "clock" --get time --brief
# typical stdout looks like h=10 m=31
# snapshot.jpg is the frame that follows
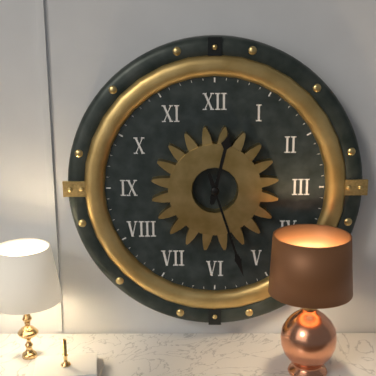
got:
h=12 m=27
